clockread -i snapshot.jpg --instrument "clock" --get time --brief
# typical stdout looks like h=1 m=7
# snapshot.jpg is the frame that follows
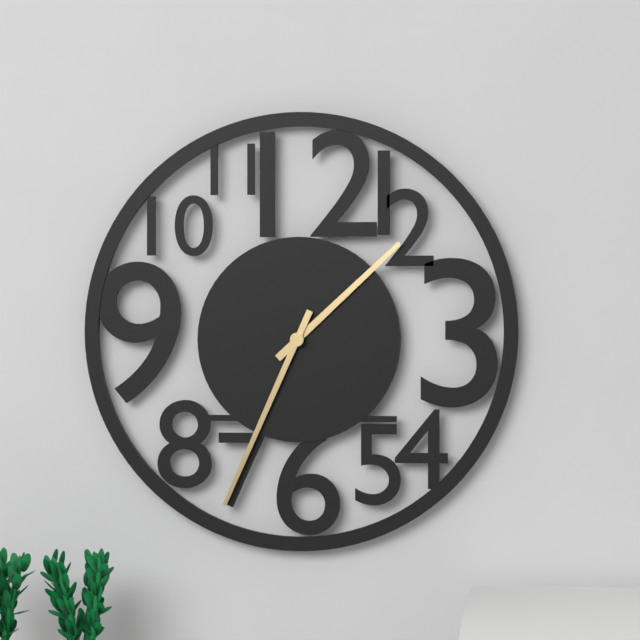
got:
h=1 m=34
